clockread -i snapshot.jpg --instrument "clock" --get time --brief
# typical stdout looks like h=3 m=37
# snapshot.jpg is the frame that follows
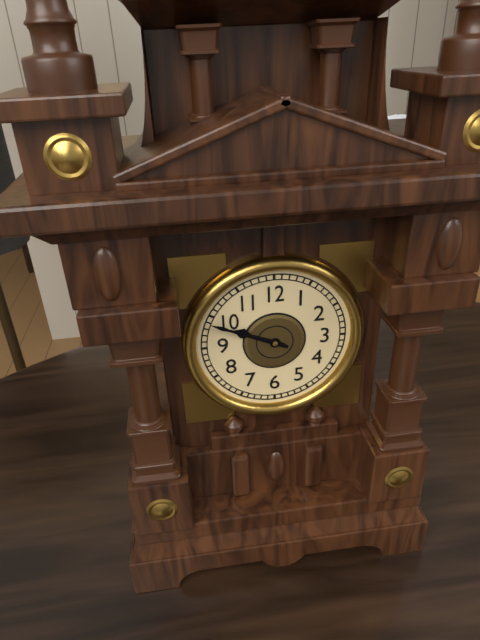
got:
h=9 m=49
